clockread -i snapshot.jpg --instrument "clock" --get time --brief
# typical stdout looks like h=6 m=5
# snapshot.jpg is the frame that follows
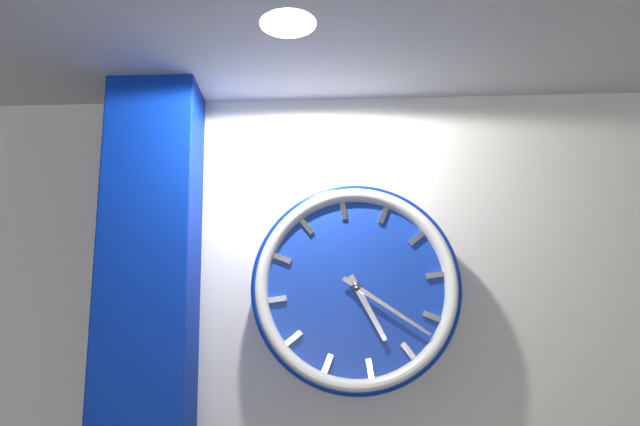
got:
h=5 m=22
